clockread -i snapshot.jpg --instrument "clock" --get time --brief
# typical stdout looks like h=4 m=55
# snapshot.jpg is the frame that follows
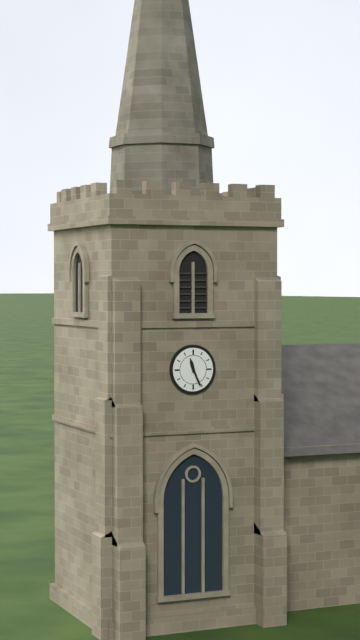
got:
h=11 m=26
